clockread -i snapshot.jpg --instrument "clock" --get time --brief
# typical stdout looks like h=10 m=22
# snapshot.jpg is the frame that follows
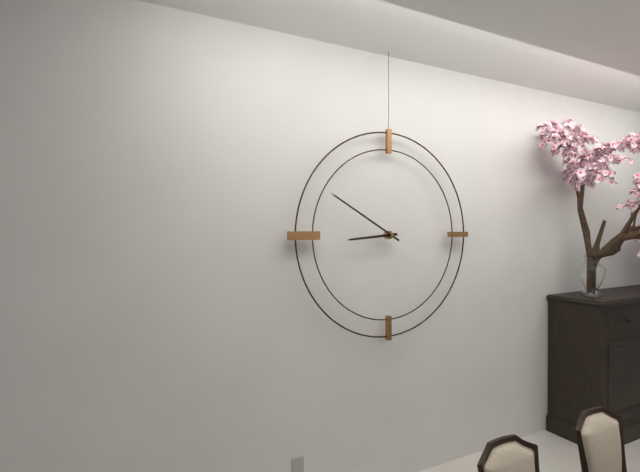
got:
h=8 m=50
